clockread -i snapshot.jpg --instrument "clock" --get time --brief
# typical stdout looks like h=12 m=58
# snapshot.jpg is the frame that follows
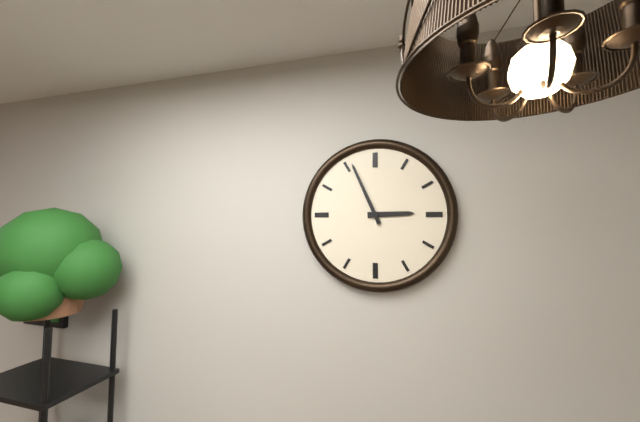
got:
h=2 m=56
